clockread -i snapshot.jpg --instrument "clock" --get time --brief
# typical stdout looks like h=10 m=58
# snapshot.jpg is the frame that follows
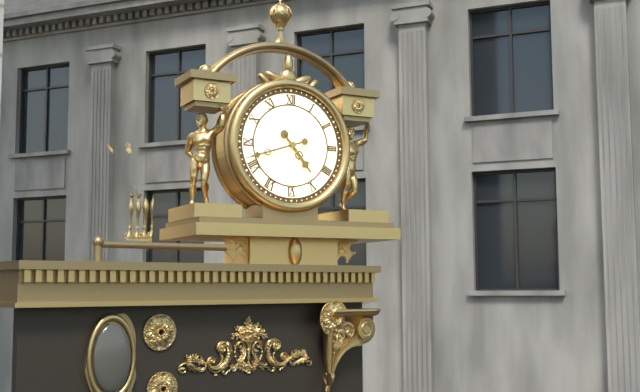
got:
h=4 m=42
